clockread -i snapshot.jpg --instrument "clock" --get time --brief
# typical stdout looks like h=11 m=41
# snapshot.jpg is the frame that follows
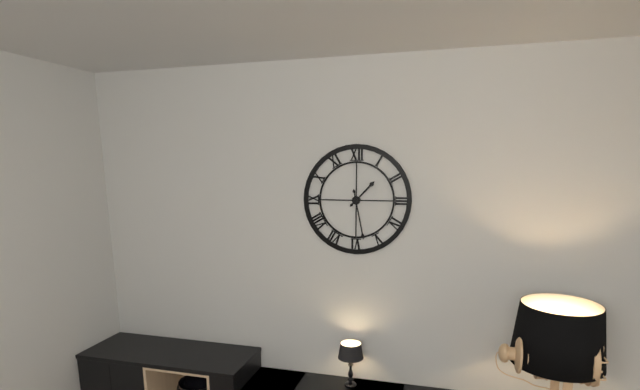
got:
h=1 m=28
